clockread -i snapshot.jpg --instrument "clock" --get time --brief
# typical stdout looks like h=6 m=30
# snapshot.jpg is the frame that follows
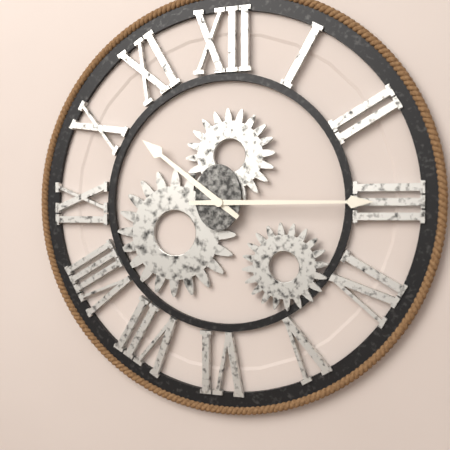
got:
h=10 m=15
